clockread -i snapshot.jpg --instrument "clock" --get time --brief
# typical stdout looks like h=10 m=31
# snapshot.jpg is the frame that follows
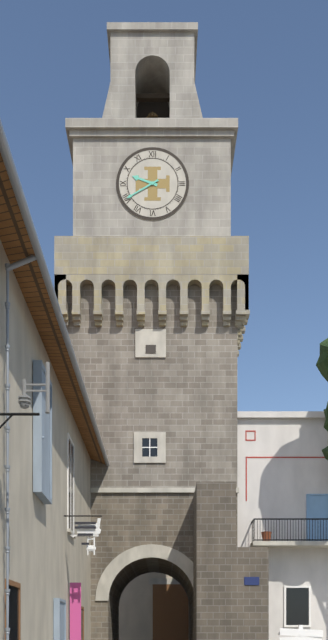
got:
h=9 m=40
